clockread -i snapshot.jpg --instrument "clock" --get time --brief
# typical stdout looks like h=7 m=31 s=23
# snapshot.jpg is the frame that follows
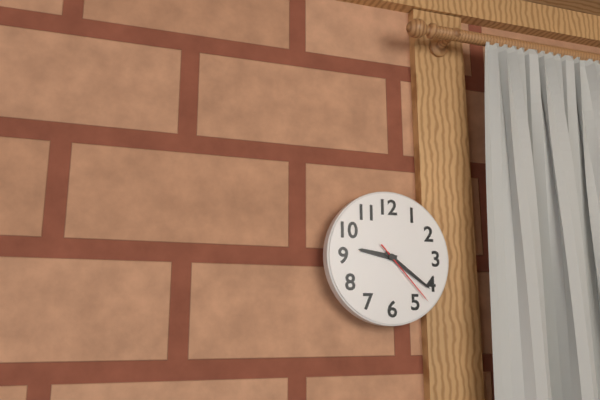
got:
h=9 m=21 s=23
